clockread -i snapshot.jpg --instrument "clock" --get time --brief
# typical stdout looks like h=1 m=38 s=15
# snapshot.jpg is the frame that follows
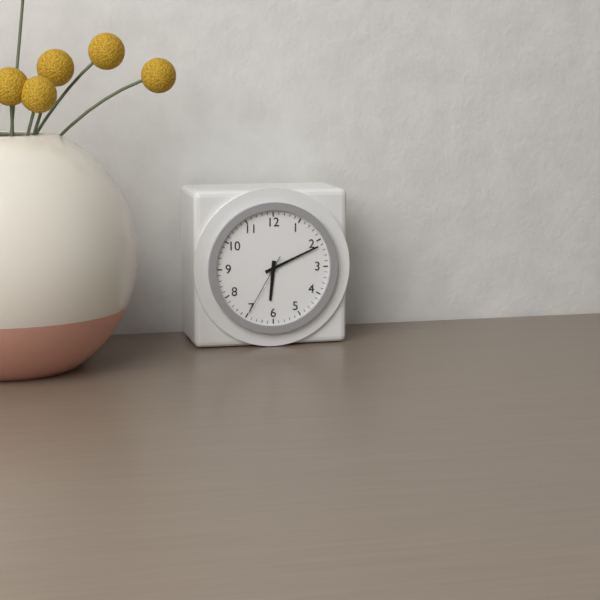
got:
h=6 m=11 s=35
